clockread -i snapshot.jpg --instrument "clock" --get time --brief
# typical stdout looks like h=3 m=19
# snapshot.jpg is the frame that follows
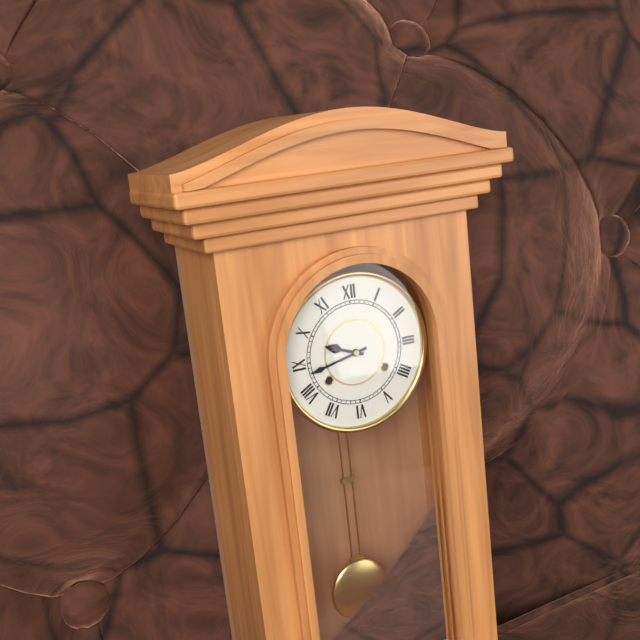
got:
h=9 m=43
